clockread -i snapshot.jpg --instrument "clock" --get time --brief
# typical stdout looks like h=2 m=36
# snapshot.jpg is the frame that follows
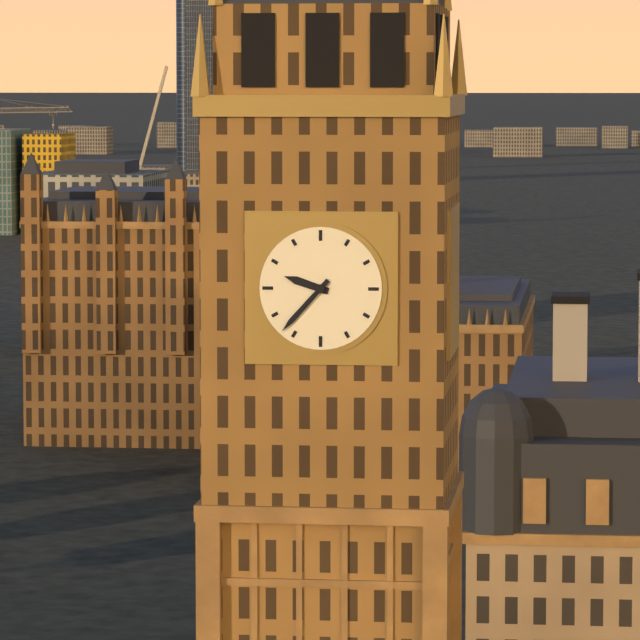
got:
h=9 m=37
